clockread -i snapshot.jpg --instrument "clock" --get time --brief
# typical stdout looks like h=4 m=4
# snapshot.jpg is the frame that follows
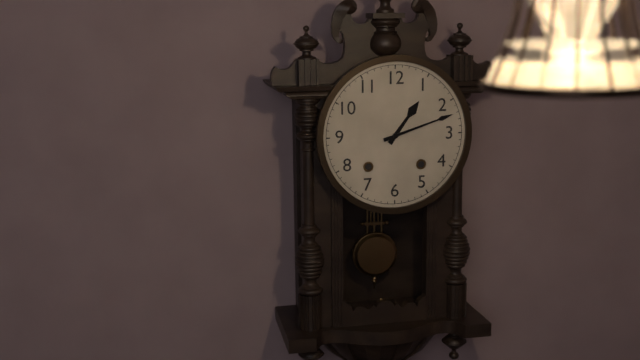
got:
h=1 m=12
